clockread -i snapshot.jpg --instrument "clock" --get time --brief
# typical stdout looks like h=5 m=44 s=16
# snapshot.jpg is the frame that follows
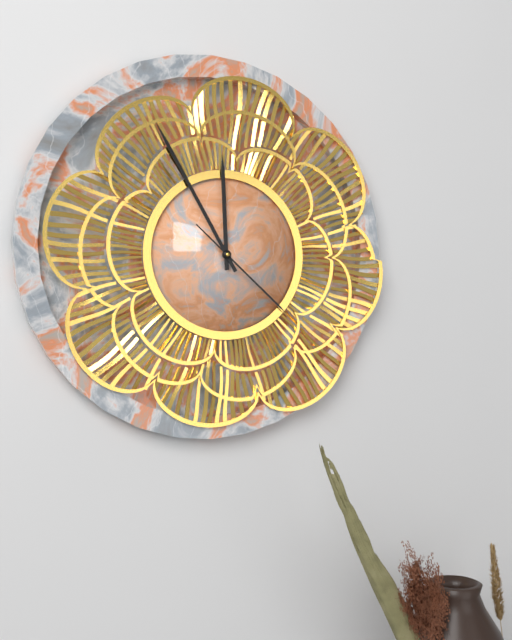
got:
h=11 m=55 s=22
